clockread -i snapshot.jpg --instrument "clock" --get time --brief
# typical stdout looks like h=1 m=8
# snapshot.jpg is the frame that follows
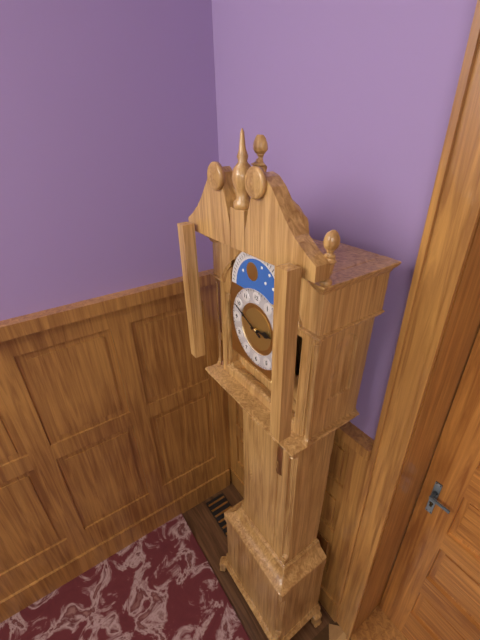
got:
h=2 m=49
